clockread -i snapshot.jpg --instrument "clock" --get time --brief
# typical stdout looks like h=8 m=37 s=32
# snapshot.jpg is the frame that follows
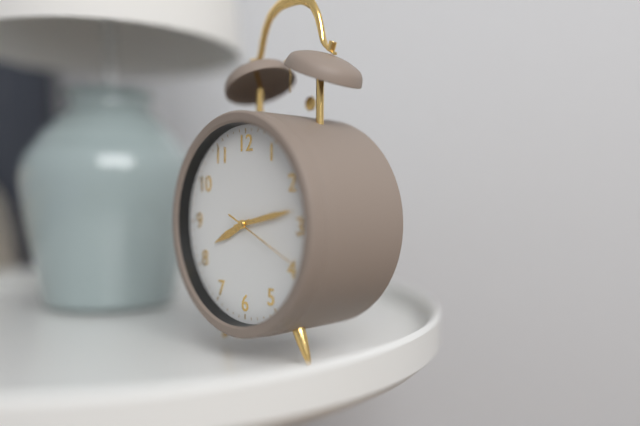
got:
h=8 m=13 s=19
